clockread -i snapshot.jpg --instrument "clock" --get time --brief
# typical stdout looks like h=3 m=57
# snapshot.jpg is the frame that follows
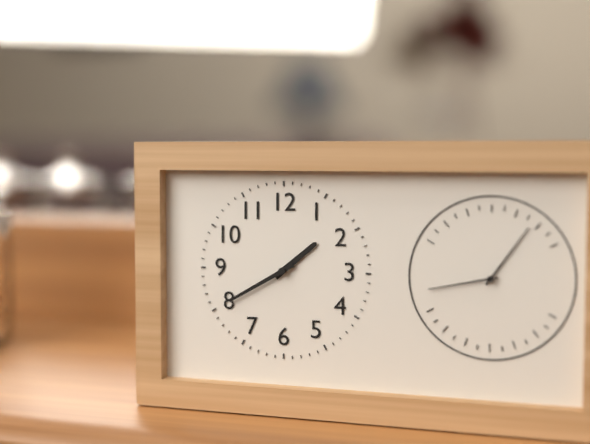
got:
h=1 m=40
